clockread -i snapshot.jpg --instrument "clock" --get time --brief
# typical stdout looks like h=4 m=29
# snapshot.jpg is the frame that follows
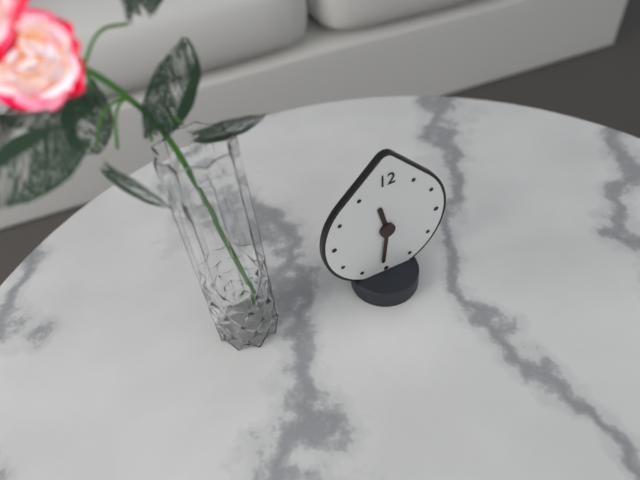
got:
h=11 m=31
